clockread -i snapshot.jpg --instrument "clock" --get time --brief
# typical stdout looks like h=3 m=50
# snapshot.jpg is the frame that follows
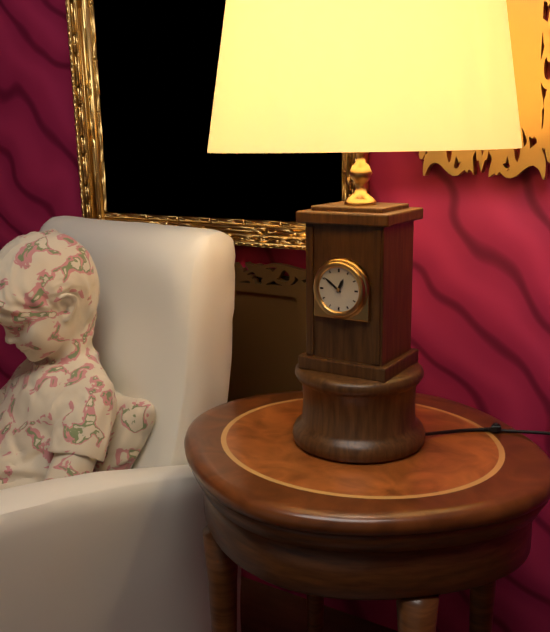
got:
h=12 m=51
